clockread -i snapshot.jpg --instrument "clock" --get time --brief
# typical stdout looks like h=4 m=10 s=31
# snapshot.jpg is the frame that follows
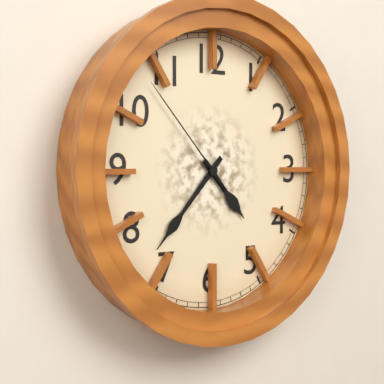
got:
h=4 m=37 s=53
